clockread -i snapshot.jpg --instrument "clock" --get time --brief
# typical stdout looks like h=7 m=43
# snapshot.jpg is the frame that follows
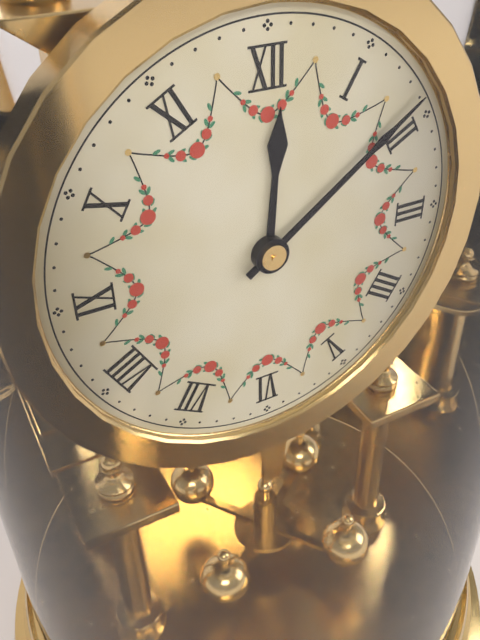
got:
h=12 m=9
